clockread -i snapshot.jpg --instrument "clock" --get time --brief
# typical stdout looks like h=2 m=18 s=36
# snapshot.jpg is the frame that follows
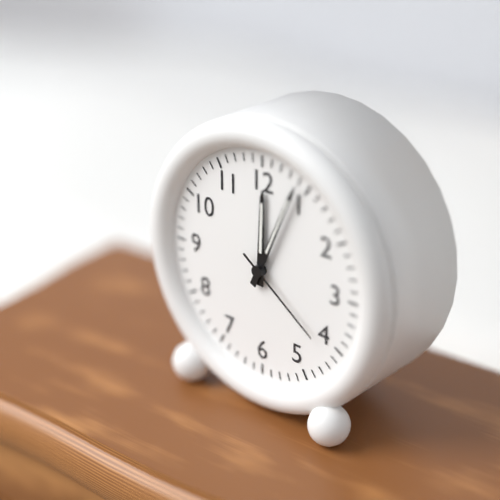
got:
h=12 m=4 s=21
